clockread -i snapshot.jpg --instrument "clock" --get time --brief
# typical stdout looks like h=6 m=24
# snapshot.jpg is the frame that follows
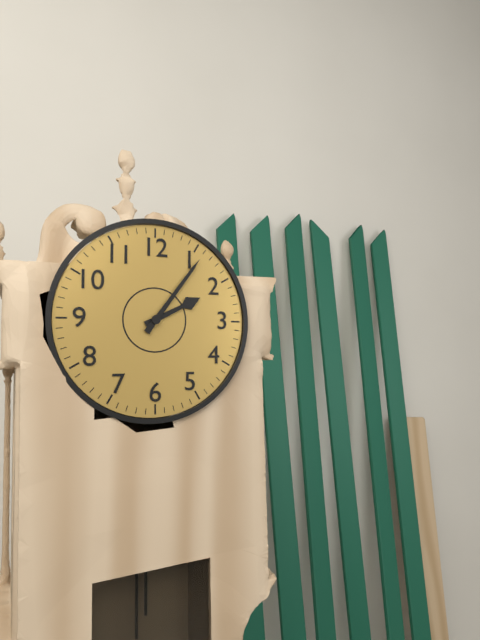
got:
h=2 m=6
